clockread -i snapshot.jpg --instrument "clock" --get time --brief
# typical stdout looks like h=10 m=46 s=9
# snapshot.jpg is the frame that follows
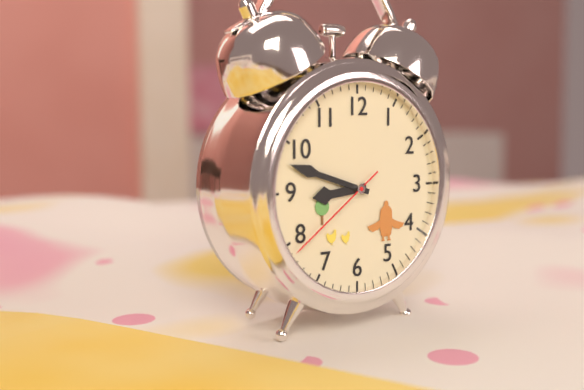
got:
h=8 m=48 s=39
